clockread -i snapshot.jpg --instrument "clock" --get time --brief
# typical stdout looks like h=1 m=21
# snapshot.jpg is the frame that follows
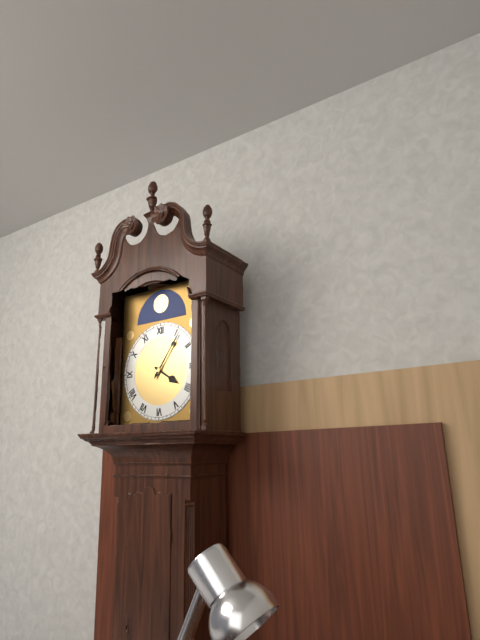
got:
h=4 m=6
